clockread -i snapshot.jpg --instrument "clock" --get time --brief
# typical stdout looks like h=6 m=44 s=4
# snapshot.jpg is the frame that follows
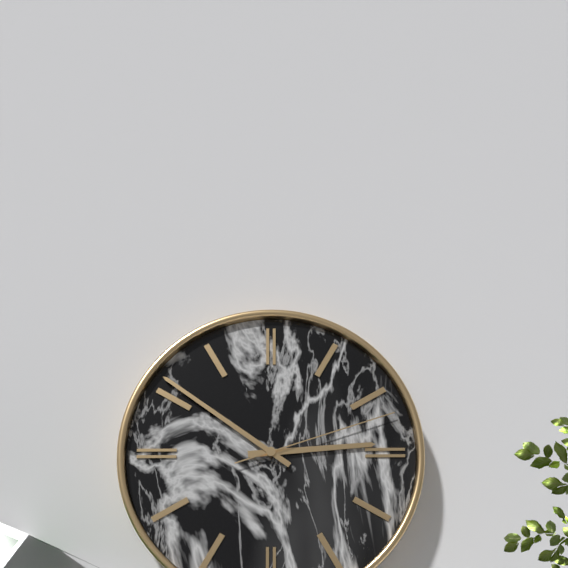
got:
h=2 m=51 s=12
